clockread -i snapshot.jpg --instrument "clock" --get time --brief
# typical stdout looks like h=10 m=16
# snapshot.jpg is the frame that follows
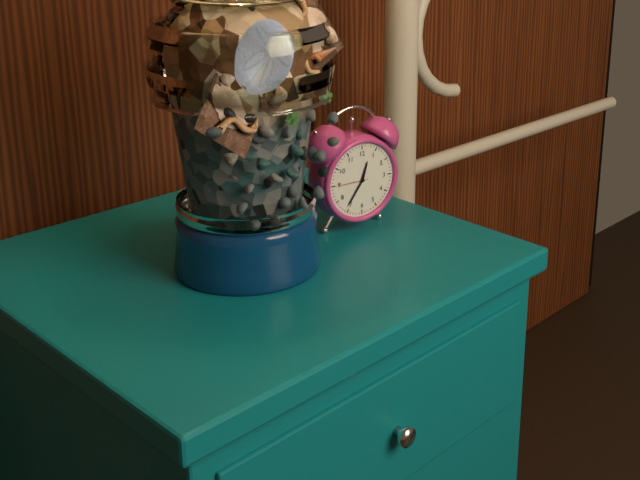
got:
h=12 m=36
